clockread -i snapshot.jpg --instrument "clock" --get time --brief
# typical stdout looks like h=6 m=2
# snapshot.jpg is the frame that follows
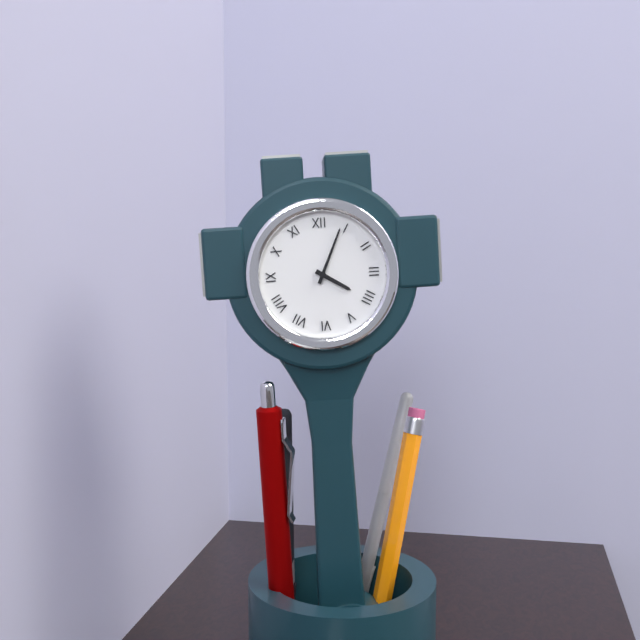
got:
h=4 m=4
